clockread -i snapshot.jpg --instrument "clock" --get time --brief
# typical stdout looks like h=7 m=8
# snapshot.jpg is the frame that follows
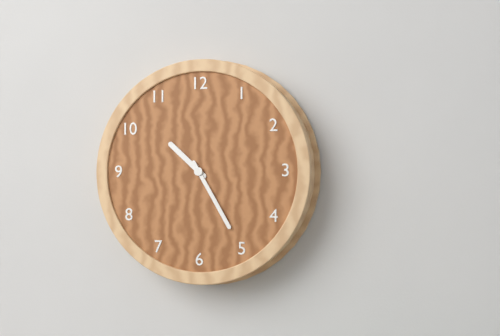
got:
h=10 m=25
